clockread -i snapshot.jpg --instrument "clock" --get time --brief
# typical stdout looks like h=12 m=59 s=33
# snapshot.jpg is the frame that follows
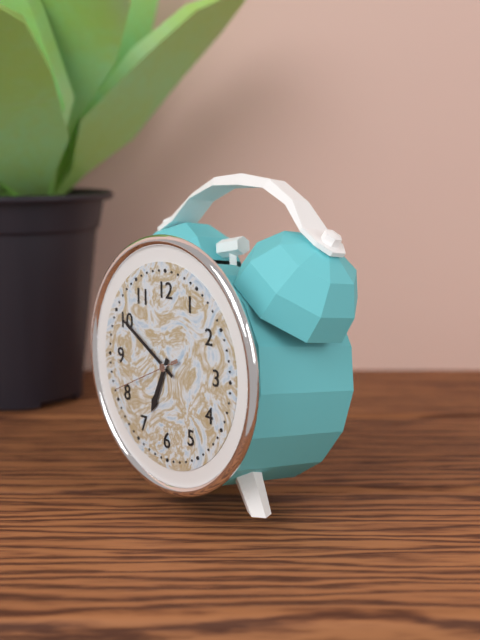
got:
h=6 m=50 s=41
